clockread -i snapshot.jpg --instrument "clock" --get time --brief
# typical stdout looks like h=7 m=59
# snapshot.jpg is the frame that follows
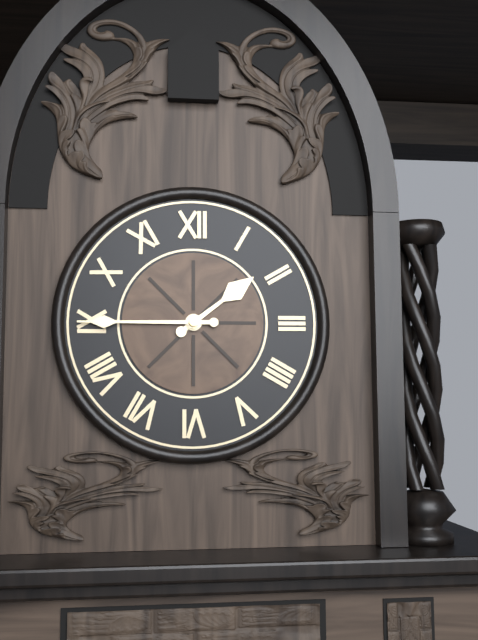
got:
h=1 m=45
